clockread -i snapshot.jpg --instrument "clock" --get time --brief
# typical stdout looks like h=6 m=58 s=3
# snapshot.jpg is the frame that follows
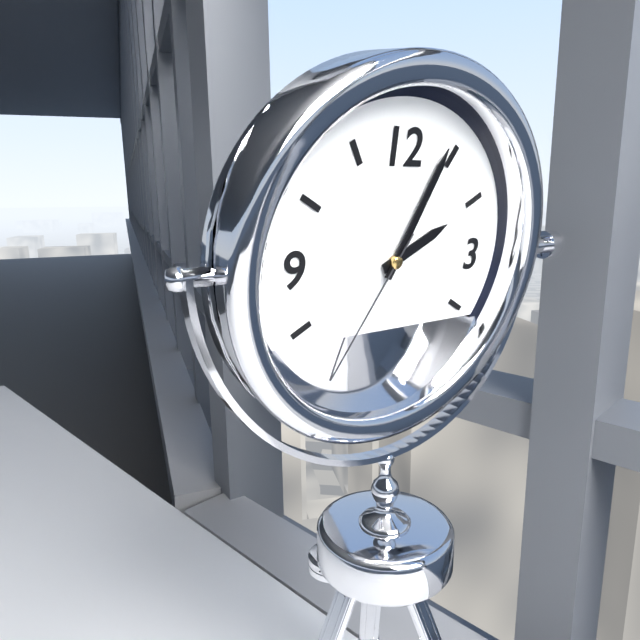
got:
h=2 m=4 s=35
